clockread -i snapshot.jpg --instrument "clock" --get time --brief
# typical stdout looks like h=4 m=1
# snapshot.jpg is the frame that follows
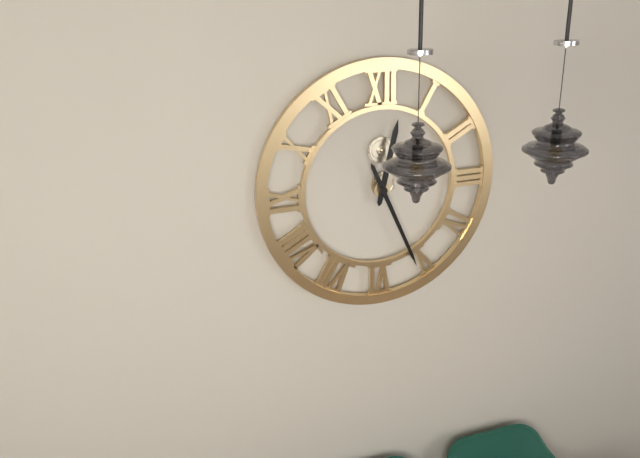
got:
h=12 m=26
